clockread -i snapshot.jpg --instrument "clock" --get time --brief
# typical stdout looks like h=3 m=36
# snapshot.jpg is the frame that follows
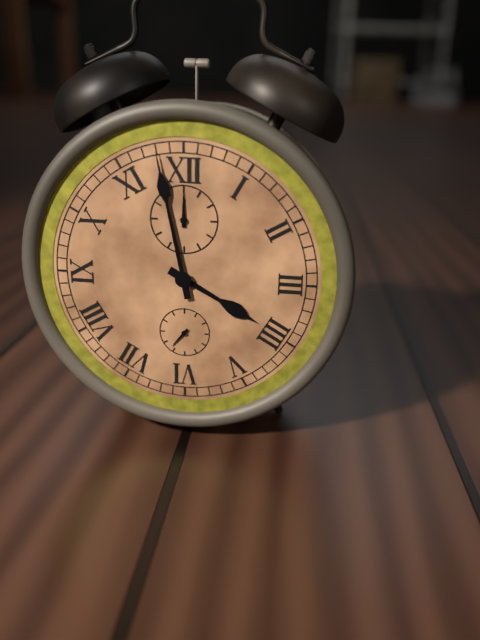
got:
h=3 m=58
